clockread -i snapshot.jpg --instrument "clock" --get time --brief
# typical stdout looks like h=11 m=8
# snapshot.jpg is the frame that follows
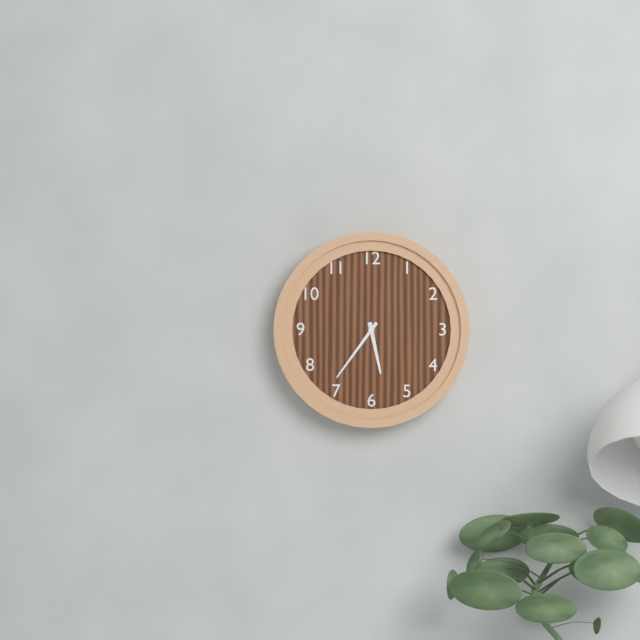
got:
h=5 m=36
